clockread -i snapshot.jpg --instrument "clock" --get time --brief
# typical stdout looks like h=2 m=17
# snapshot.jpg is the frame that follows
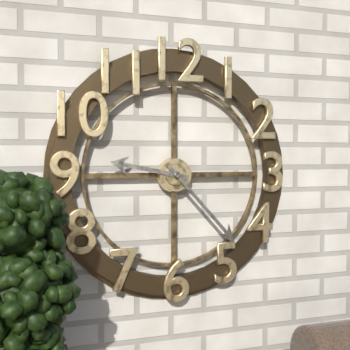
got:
h=9 m=23
